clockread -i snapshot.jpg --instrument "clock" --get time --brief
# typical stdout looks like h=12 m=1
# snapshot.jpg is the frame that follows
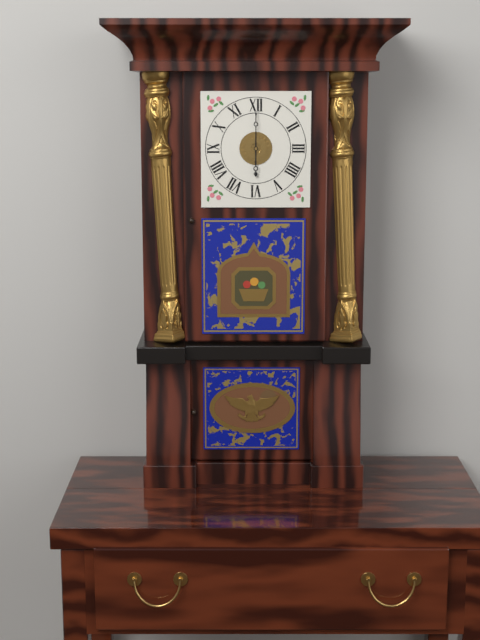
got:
h=6 m=0
